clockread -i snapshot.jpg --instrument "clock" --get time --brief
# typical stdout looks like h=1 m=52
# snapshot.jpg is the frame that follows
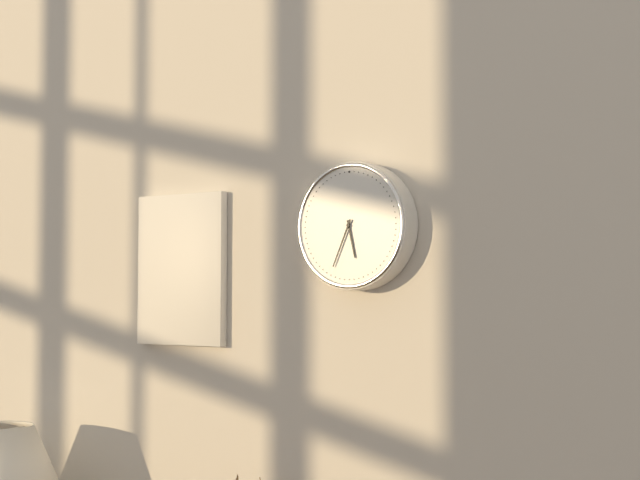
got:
h=5 m=34
